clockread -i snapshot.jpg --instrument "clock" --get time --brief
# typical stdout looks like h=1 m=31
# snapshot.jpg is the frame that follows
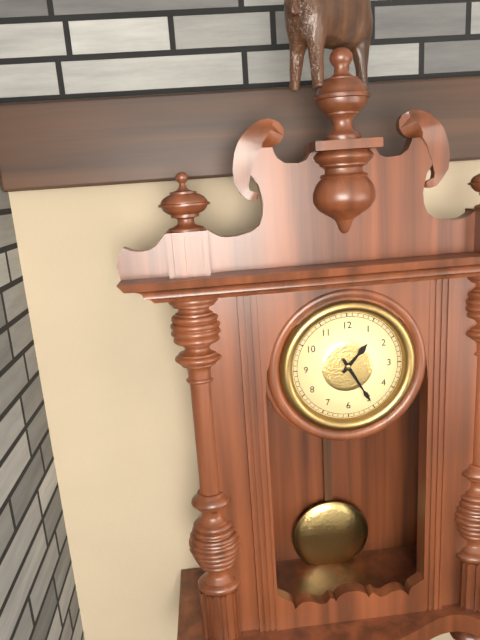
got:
h=1 m=25
